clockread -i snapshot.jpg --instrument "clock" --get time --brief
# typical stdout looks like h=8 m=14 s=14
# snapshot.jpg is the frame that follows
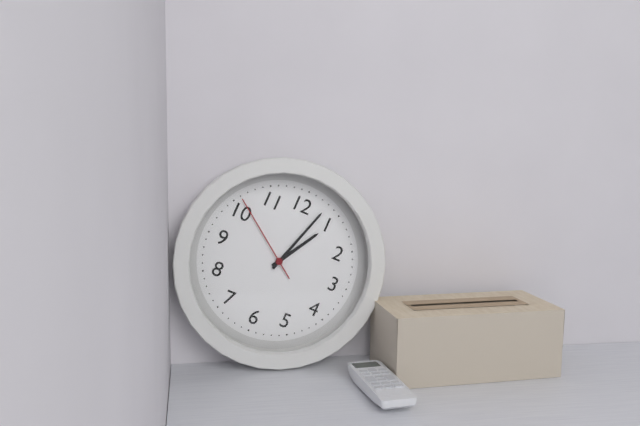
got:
h=1 m=3 s=51
